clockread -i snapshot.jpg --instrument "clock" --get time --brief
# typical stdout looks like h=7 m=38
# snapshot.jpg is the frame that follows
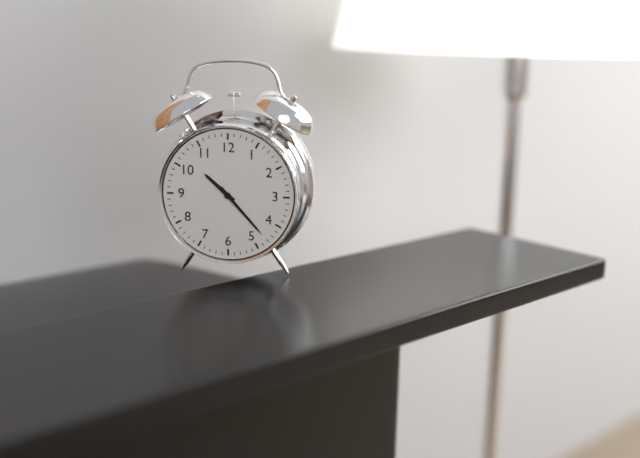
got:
h=10 m=23
